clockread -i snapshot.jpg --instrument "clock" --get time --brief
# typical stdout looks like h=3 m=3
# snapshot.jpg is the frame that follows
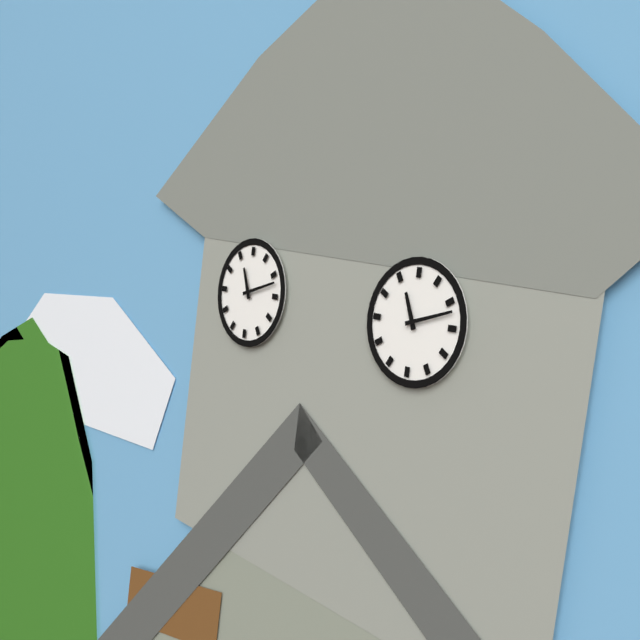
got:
h=11 m=12
